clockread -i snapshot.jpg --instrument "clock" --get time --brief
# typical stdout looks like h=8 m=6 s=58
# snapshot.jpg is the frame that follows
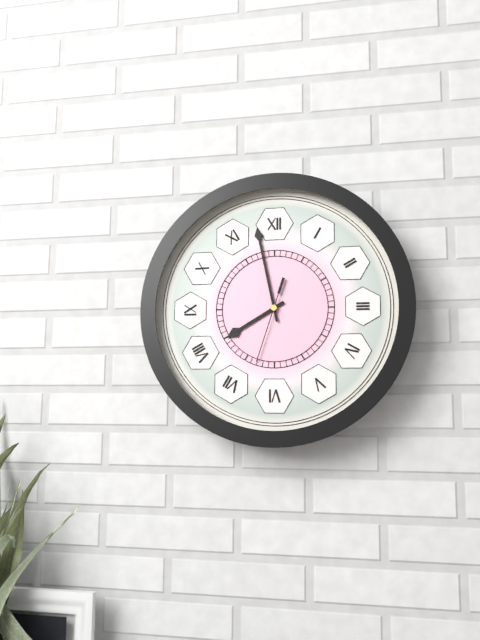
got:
h=7 m=58 s=33
